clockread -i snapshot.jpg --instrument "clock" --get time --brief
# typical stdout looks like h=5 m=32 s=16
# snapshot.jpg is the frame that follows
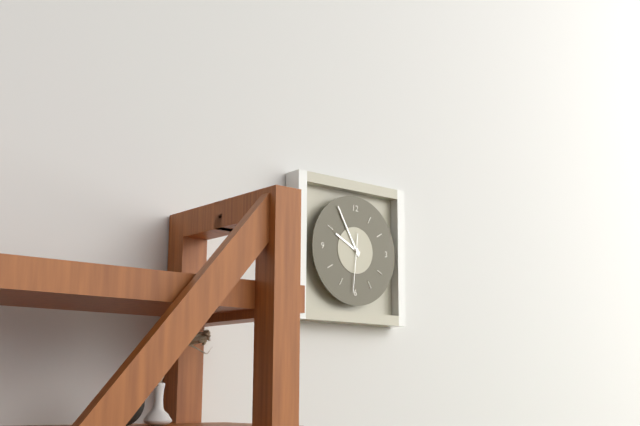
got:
h=9 m=55 s=31
